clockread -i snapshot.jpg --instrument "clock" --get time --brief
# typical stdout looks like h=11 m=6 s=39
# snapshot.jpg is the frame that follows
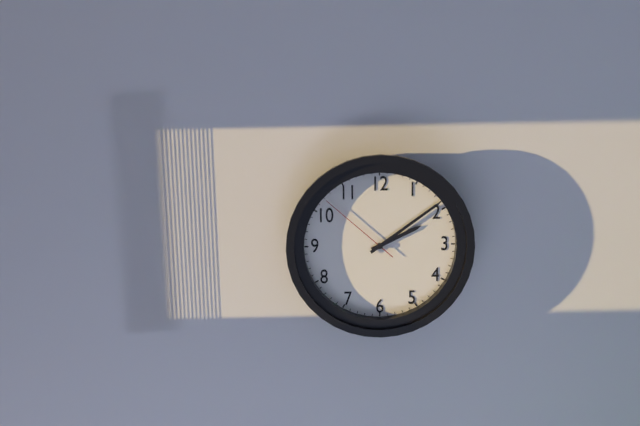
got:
h=2 m=9 s=52
